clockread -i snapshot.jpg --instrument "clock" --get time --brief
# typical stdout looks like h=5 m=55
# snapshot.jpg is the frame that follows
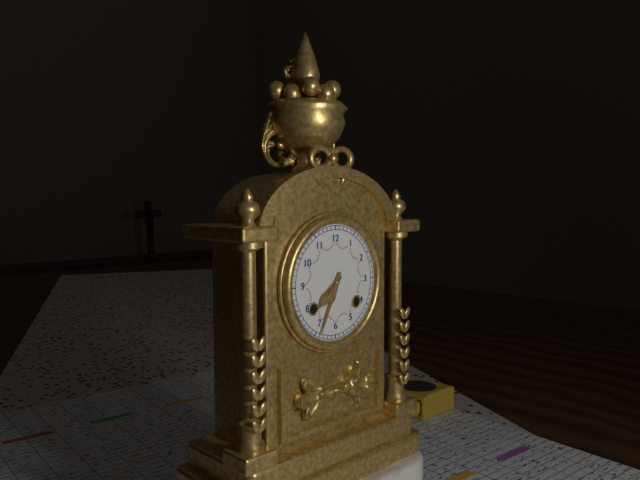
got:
h=7 m=34
